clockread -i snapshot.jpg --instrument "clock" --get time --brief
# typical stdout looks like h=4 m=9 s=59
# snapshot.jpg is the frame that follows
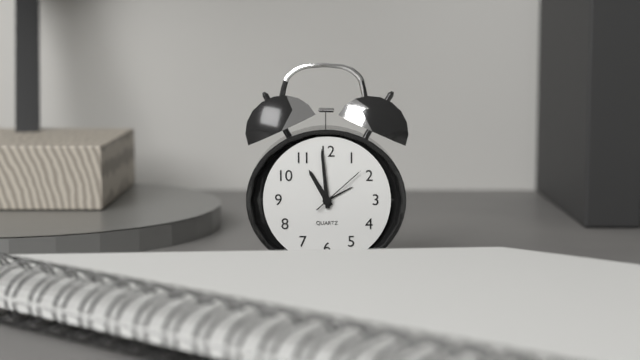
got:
h=10 m=59 s=8
